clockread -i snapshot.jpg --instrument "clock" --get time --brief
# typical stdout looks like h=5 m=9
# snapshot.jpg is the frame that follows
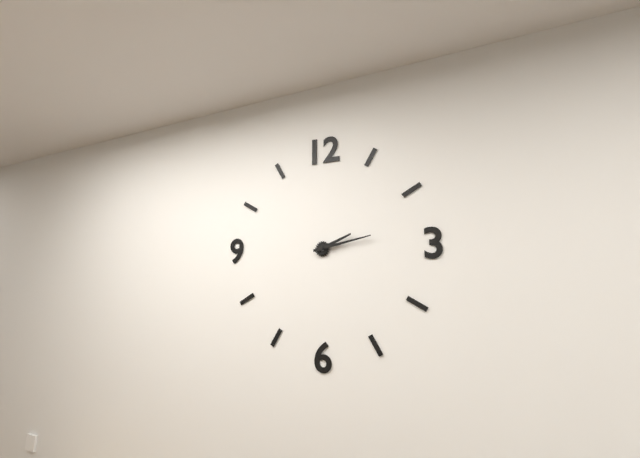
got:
h=2 m=13
